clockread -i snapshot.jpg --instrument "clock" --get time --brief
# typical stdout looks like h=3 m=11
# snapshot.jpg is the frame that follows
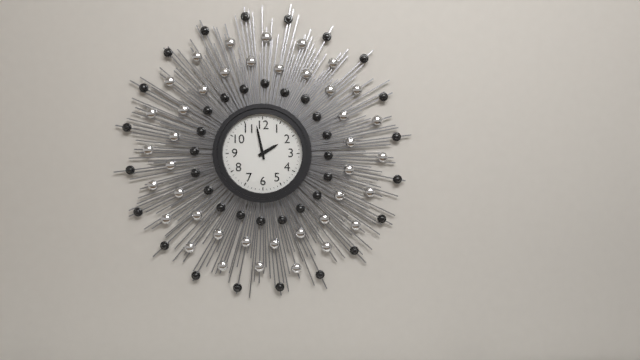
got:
h=1 m=58
